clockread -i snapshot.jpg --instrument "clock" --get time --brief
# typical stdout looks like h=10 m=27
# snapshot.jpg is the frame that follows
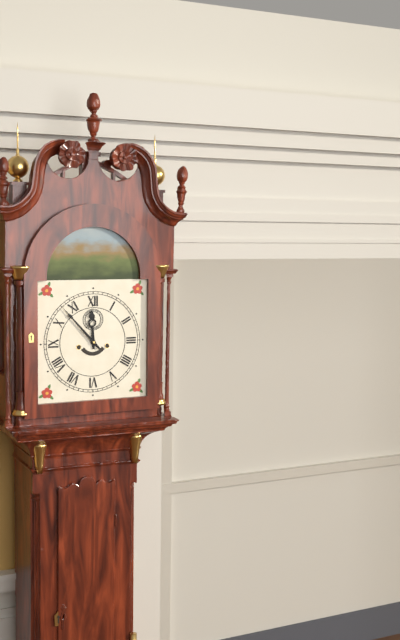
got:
h=11 m=53
